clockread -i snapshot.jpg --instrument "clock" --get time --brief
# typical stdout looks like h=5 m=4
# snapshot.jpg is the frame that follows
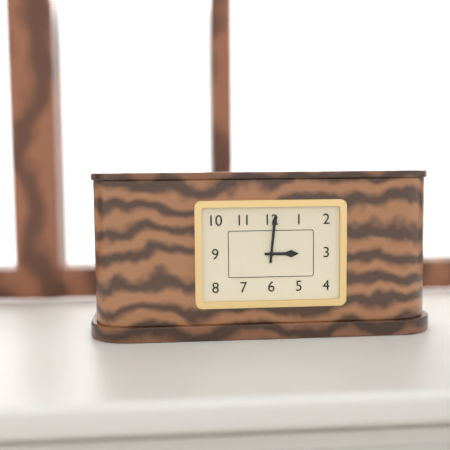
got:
h=3 m=1
